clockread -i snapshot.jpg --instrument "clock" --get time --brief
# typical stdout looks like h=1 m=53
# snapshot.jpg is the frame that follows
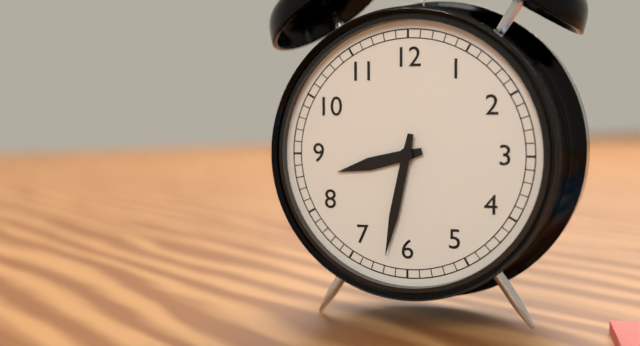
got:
h=8 m=32
